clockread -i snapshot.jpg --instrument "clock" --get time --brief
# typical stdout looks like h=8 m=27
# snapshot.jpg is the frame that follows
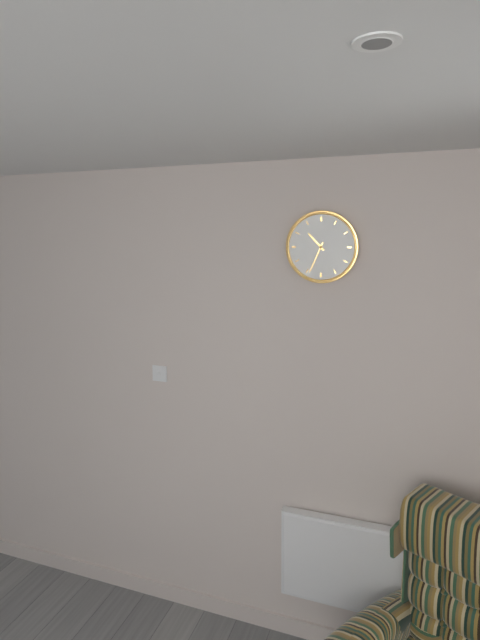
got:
h=10 m=34
